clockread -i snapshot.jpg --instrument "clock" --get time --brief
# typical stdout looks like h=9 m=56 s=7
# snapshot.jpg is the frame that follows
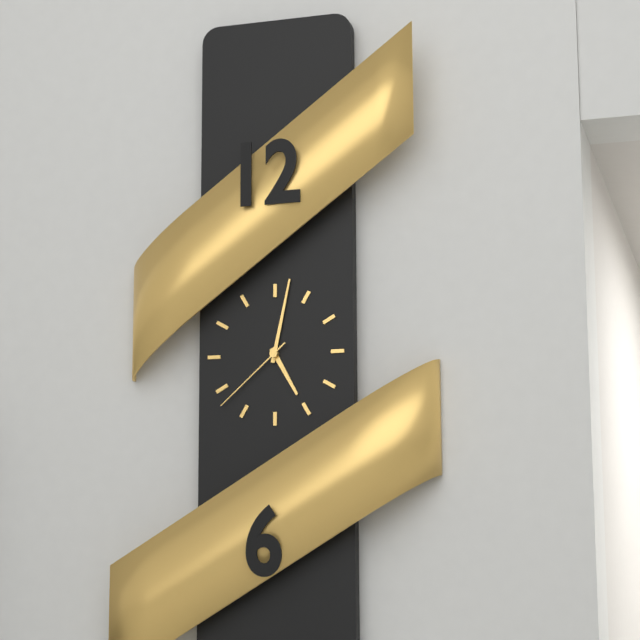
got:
h=5 m=2 s=38
